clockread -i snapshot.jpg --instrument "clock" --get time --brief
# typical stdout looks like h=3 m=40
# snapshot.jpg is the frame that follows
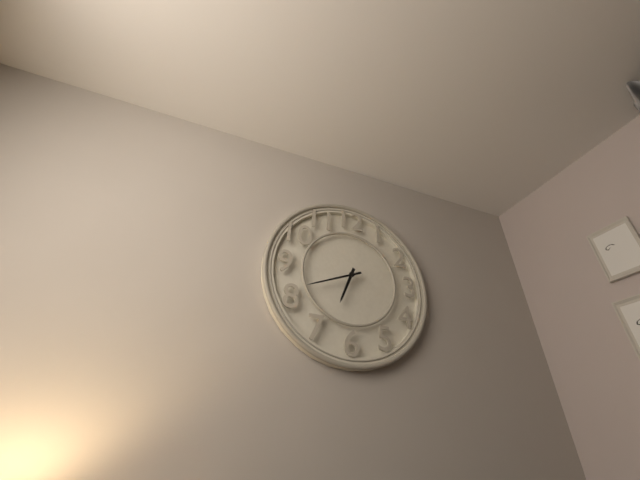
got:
h=6 m=41
